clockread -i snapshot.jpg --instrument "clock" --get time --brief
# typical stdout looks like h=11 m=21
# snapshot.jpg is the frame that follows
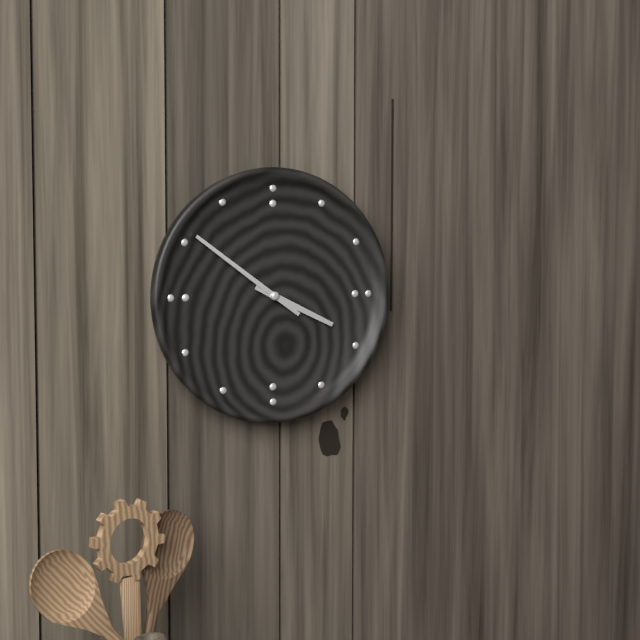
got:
h=3 m=51
